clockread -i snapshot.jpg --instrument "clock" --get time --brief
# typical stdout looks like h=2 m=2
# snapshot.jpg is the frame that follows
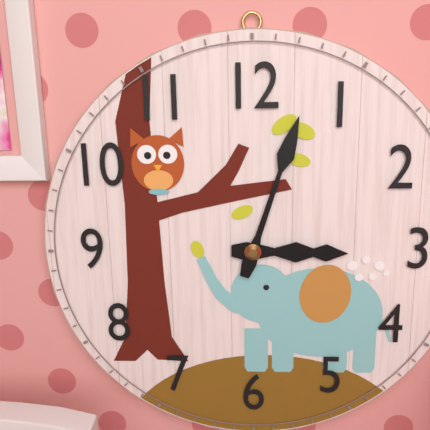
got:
h=3 m=3
